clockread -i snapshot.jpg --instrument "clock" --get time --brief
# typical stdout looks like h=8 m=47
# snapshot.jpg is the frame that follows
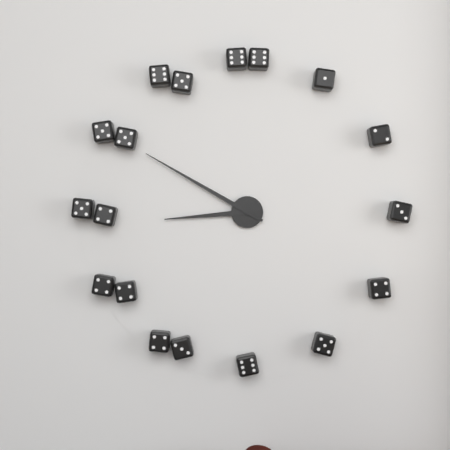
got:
h=8 m=50
